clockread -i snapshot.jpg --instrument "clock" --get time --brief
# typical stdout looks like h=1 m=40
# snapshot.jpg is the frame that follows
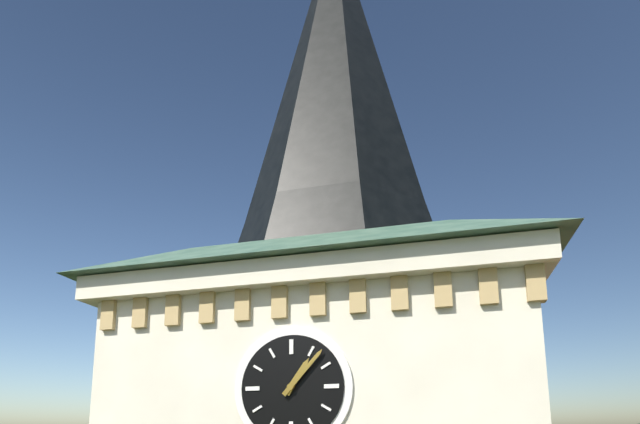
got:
h=1 m=7
